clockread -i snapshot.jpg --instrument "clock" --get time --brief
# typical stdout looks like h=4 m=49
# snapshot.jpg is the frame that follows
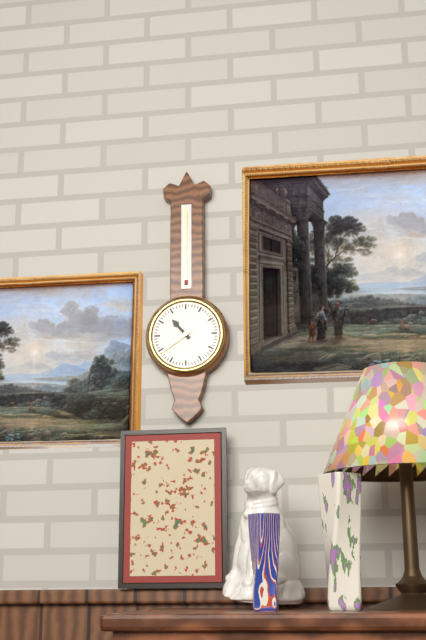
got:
h=10 m=39
